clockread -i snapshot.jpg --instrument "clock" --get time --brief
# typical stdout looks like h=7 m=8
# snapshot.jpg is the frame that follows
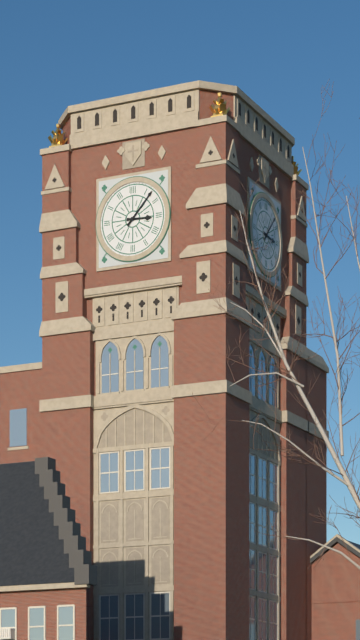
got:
h=3 m=7
